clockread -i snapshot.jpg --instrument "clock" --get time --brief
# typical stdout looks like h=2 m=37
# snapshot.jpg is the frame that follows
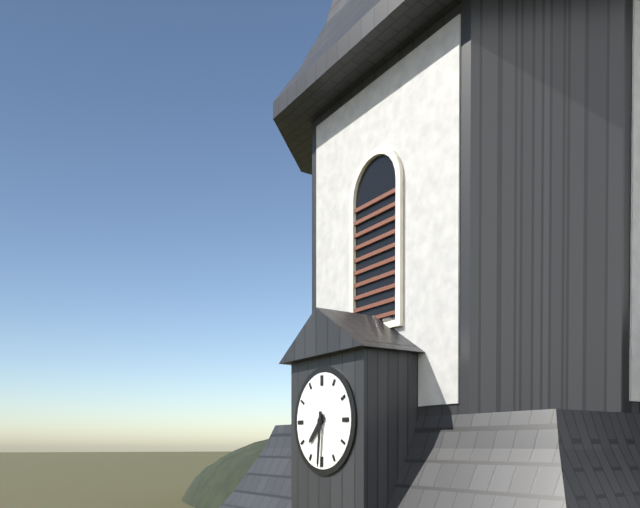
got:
h=7 m=31
